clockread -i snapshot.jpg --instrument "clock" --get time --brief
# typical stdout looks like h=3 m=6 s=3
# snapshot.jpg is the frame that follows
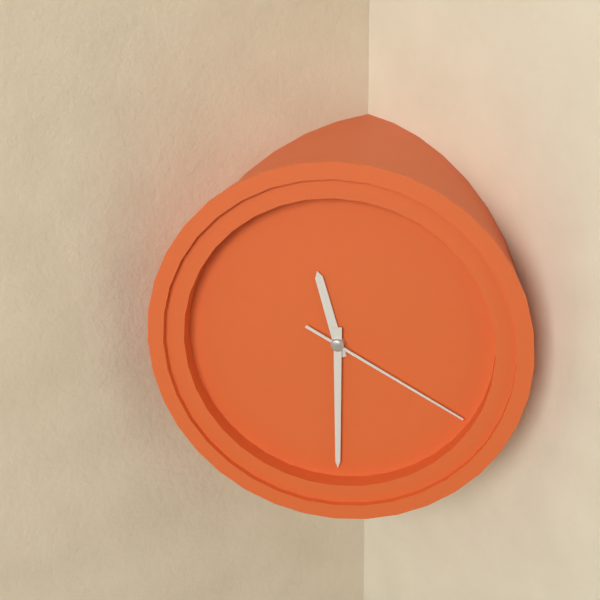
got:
h=11 m=30 s=20
